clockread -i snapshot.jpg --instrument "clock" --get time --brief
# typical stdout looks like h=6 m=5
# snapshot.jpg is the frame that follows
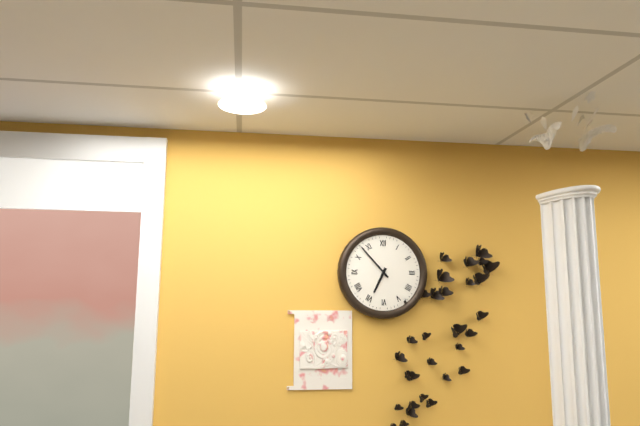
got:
h=6 m=53
